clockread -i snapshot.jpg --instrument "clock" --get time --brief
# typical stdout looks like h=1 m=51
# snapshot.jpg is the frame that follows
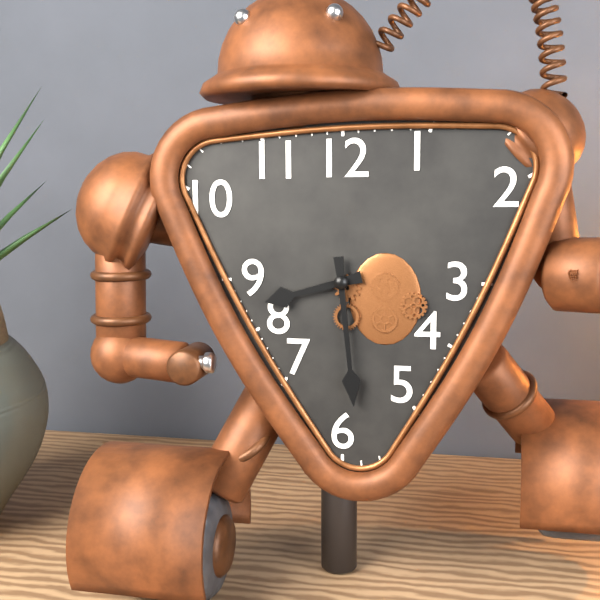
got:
h=8 m=29
